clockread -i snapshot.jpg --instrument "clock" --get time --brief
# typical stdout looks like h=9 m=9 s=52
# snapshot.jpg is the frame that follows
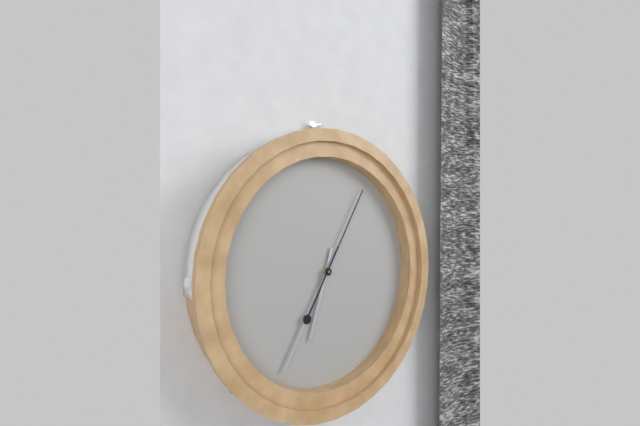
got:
h=6 m=35 s=5
